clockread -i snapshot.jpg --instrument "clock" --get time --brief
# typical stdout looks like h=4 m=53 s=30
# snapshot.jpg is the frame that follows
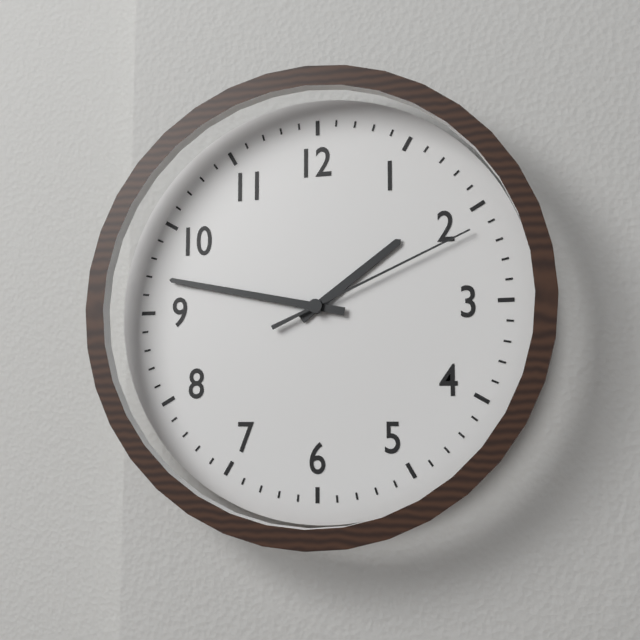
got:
h=1 m=47 s=11
